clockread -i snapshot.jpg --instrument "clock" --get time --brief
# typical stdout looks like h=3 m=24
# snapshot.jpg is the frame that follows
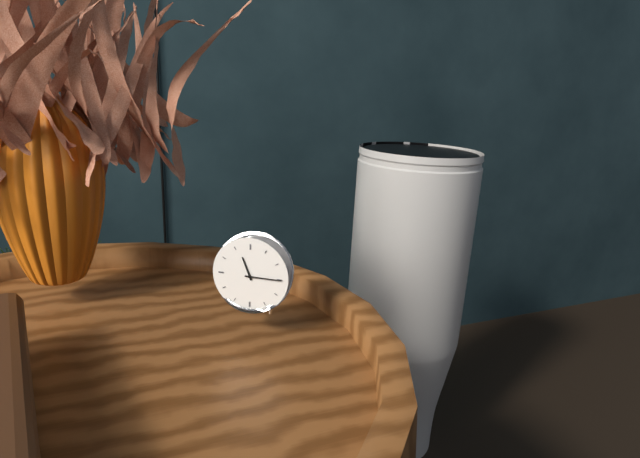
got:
h=11 m=15
